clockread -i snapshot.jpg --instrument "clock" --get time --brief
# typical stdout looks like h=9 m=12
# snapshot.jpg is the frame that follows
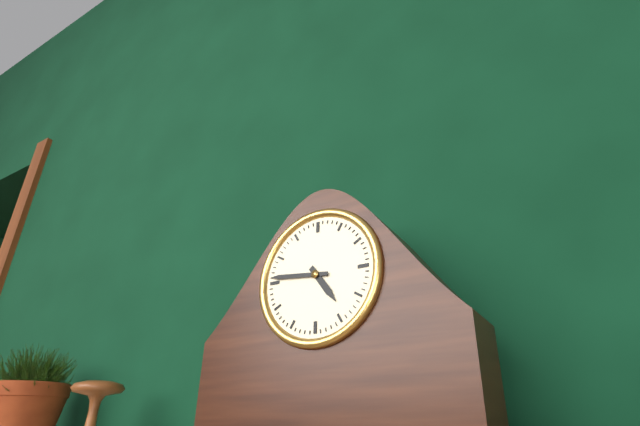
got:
h=4 m=46
